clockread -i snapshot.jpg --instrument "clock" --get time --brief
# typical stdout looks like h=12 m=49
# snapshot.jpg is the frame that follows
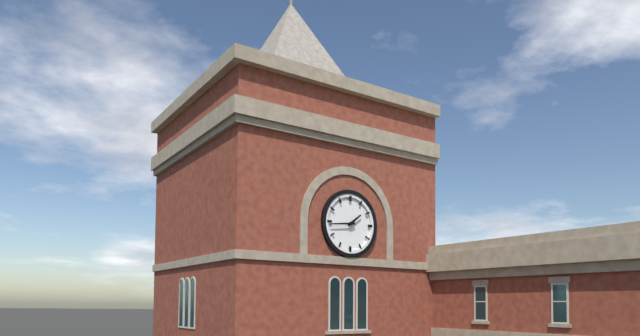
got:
h=1 m=44
